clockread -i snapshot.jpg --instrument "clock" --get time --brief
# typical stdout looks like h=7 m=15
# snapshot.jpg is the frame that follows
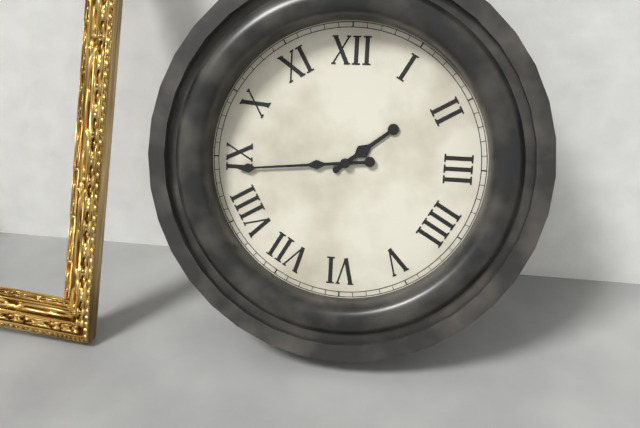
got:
h=1 m=44
